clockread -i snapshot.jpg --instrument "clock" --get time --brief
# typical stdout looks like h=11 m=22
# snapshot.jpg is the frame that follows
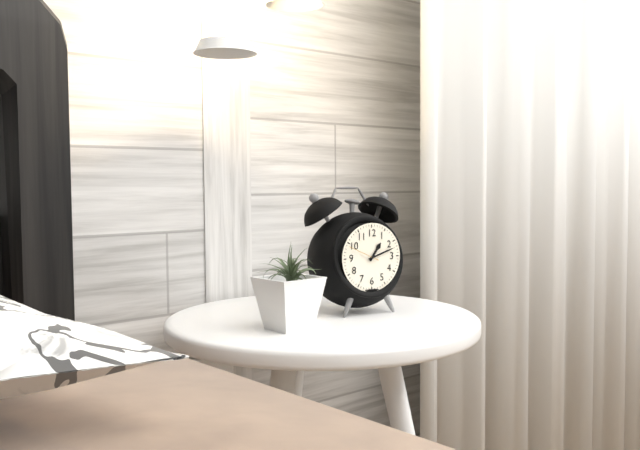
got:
h=1 m=12
